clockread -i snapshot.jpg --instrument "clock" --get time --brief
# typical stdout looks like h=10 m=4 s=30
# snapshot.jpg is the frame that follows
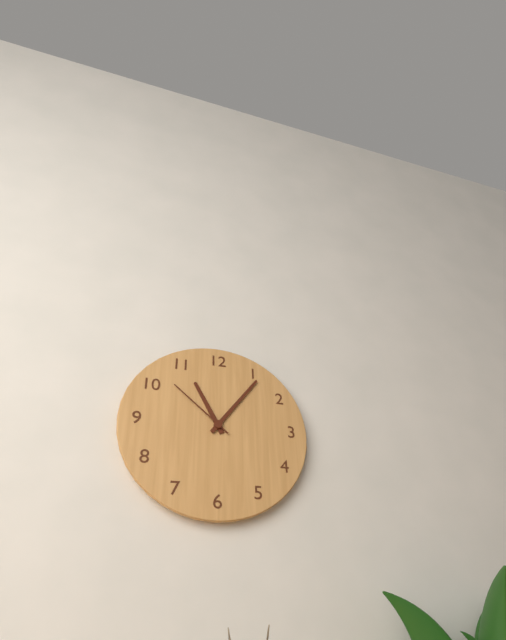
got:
h=11 m=6 s=52
